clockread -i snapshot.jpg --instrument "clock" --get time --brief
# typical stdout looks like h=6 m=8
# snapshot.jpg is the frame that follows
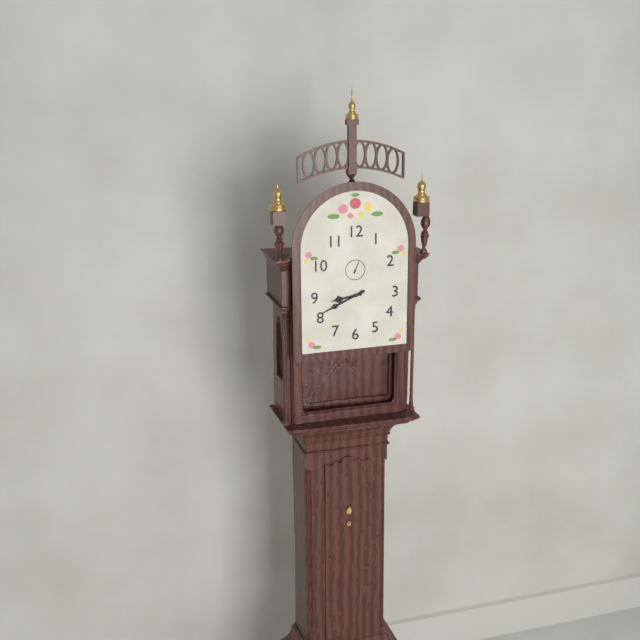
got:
h=8 m=41
